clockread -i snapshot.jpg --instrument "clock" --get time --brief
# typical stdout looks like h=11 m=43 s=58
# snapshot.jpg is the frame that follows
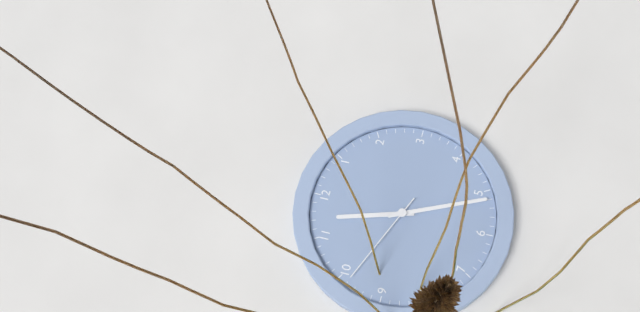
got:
h=11 m=26 s=49
